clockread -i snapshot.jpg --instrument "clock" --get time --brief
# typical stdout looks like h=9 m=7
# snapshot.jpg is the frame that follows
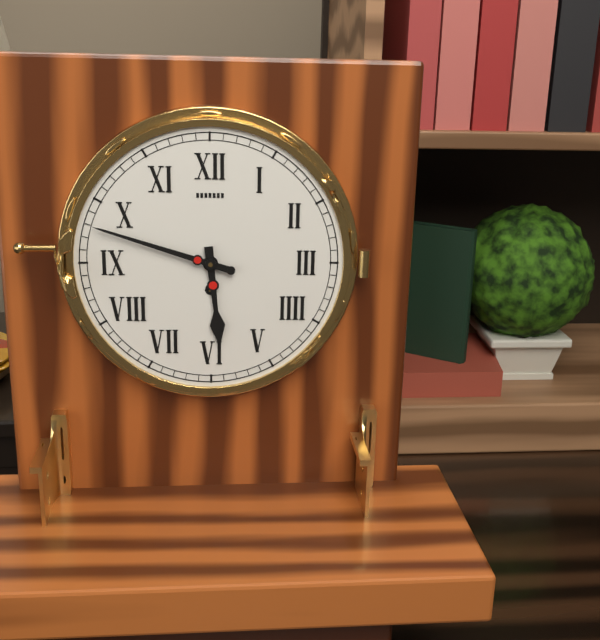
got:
h=5 m=48
